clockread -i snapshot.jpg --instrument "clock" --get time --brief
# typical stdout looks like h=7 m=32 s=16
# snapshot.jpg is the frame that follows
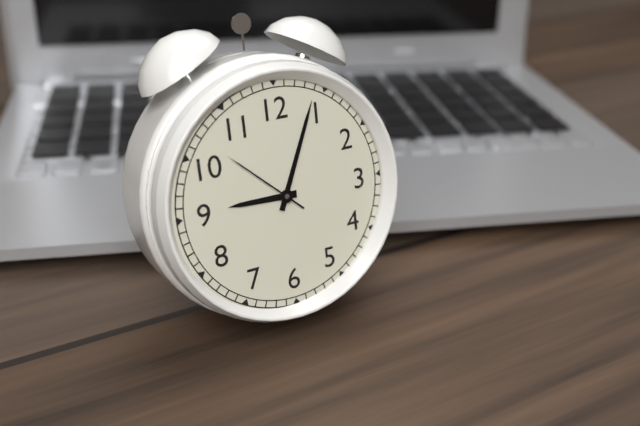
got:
h=9 m=4 s=52
